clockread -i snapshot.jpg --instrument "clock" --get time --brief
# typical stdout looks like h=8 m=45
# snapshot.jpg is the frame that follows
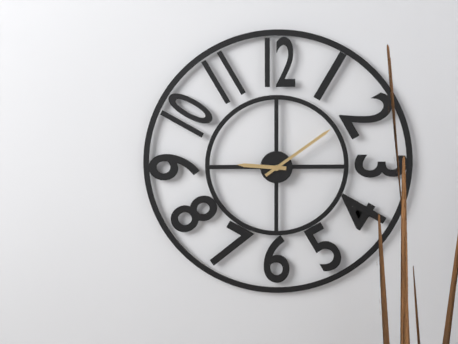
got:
h=9 m=9
